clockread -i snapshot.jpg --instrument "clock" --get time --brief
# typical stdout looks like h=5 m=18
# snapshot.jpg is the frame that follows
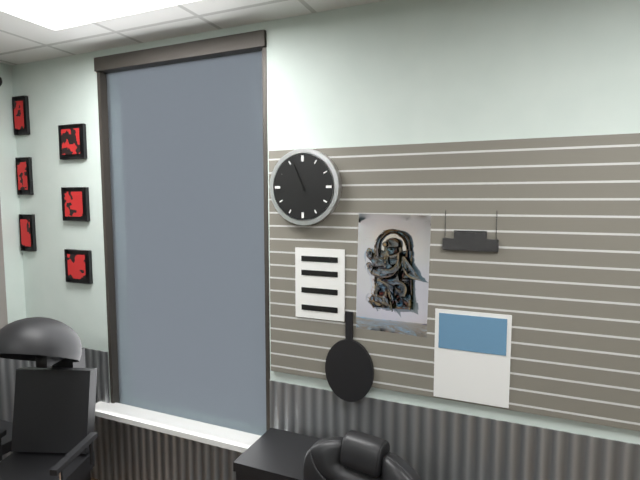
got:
h=10 m=56
